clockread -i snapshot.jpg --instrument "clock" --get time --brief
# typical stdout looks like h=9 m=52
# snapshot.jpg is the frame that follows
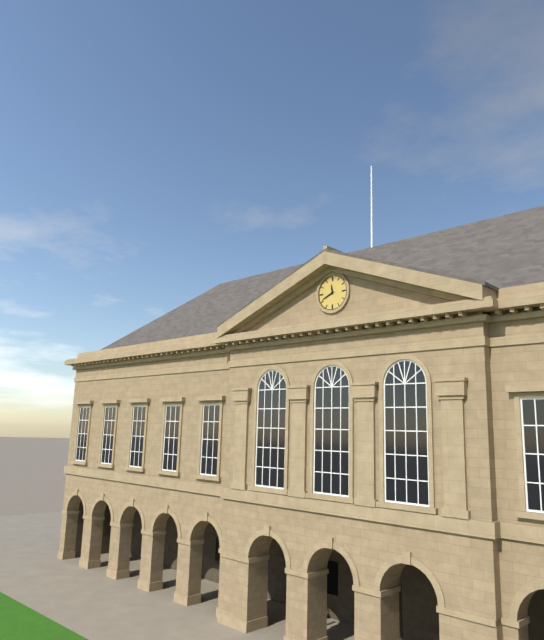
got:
h=11 m=41
